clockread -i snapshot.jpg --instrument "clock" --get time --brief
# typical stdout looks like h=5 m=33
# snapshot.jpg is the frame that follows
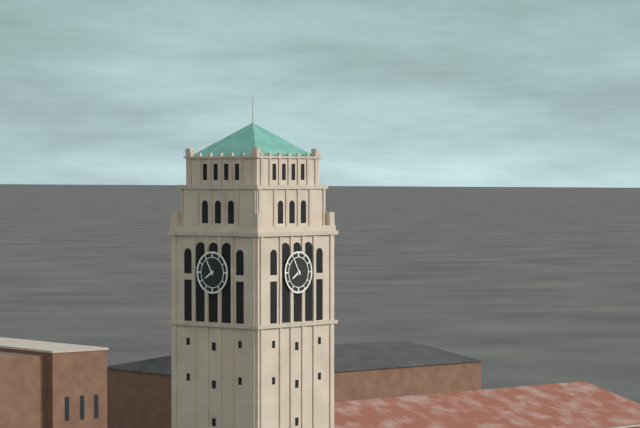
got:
h=7 m=55
